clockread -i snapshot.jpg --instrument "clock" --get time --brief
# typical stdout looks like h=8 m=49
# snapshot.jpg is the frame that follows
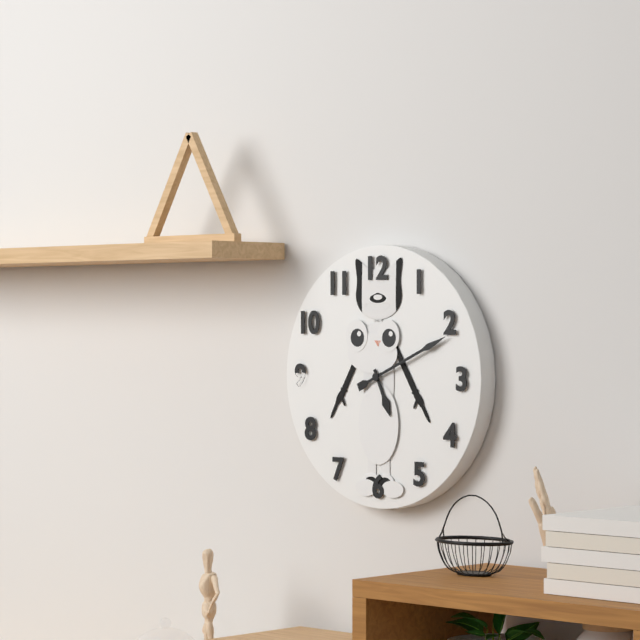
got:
h=5 m=11
